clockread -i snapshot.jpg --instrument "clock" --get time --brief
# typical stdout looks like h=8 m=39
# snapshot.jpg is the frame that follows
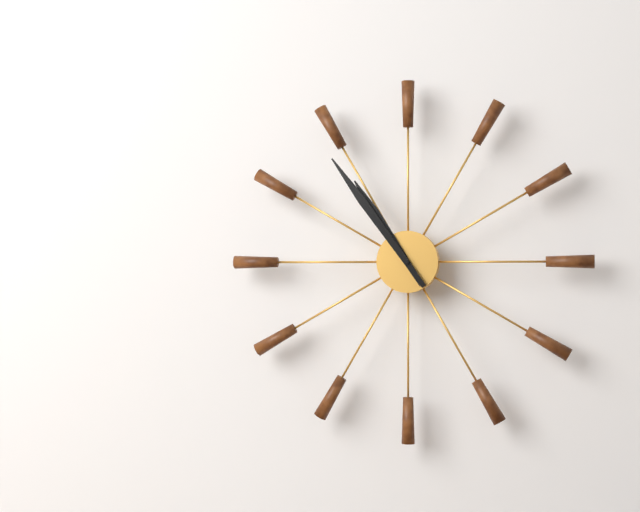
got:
h=10 m=54
